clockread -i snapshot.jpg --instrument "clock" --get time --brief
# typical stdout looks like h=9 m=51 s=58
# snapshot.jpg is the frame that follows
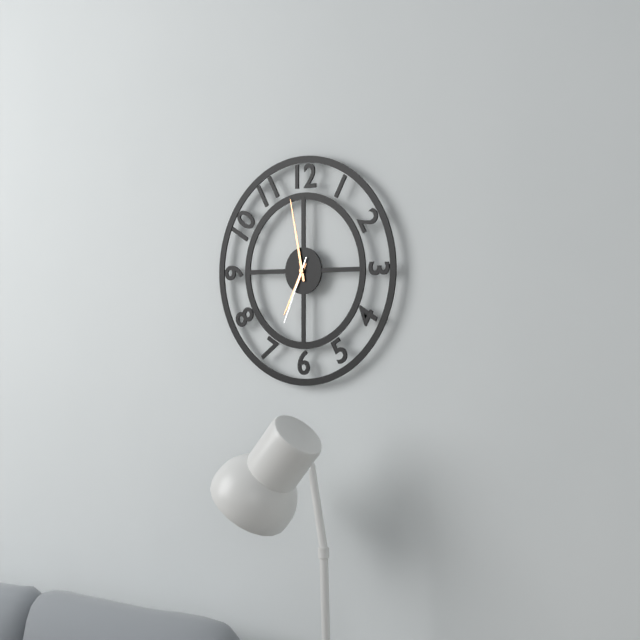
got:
h=6 m=58 s=34
